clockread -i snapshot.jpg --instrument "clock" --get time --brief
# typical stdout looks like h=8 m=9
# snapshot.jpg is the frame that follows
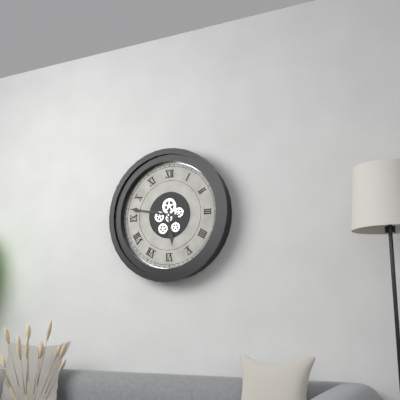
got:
h=5 m=47
